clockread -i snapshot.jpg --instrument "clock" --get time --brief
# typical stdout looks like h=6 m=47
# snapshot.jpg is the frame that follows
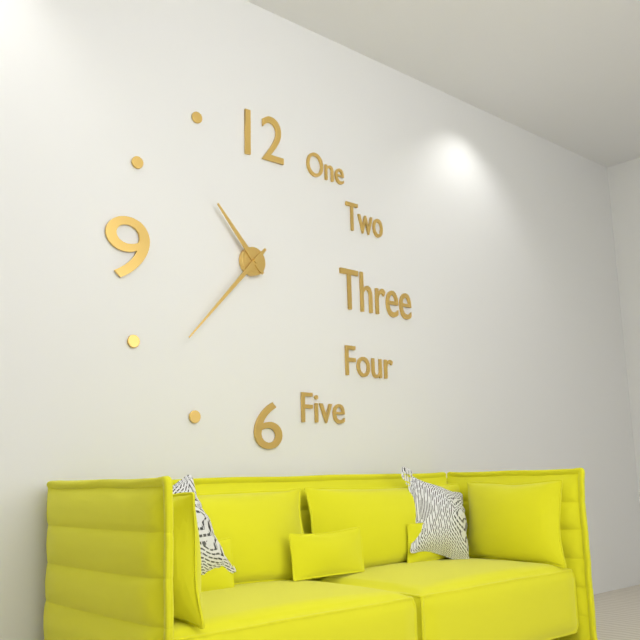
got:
h=10 m=37
